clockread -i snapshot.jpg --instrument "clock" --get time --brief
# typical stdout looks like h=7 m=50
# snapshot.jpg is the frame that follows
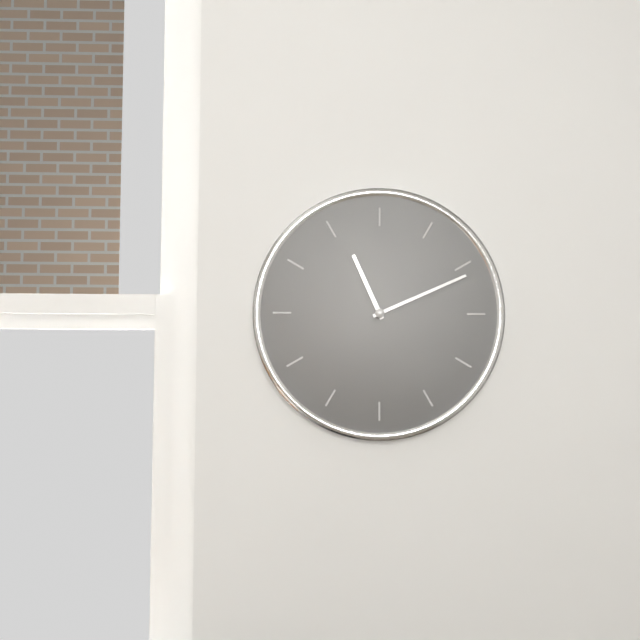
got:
h=11 m=11
